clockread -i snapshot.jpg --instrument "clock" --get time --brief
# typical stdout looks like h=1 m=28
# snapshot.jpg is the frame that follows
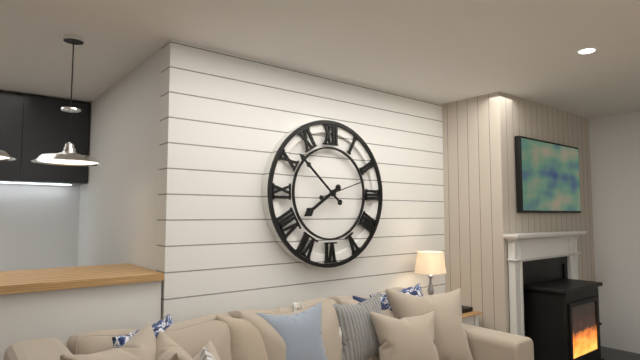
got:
h=7 m=52
